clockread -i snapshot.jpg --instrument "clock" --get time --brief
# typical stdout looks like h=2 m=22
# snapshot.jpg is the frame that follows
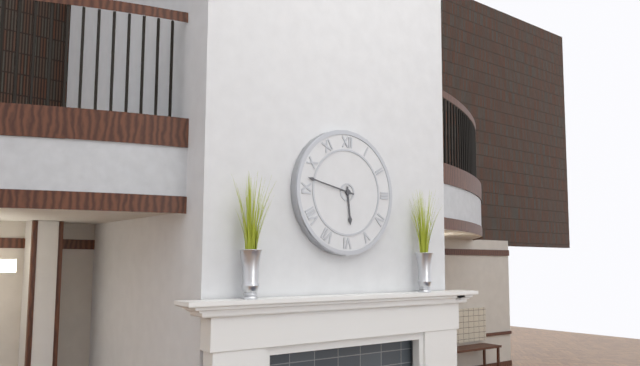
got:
h=5 m=47
